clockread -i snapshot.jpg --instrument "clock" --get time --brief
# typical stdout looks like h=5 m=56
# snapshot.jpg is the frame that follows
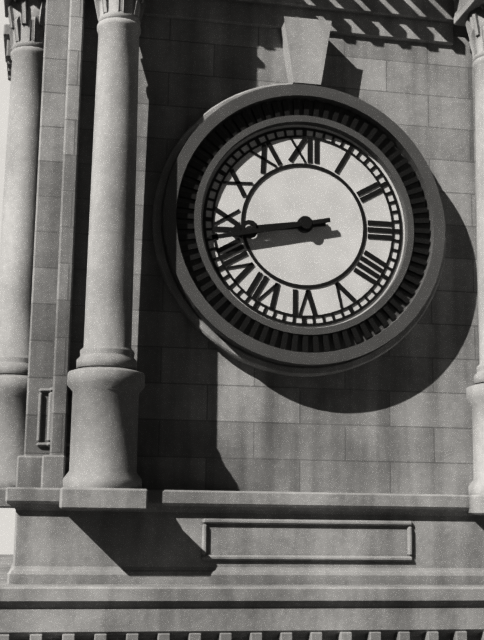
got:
h=8 m=43
